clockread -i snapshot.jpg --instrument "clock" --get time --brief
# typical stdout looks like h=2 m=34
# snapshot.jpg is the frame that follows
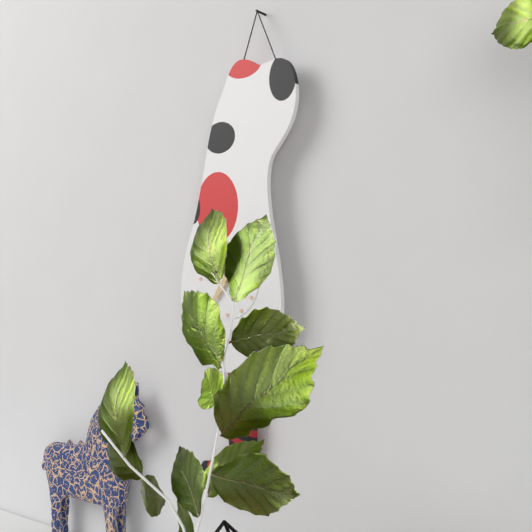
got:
h=12 m=36
